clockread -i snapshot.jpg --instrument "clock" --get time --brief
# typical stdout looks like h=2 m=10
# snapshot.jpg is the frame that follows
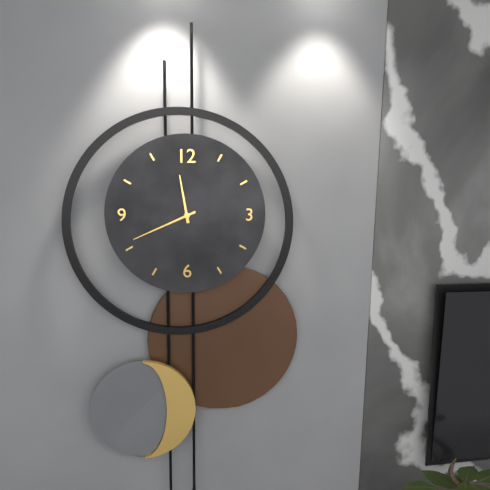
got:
h=11 m=41
